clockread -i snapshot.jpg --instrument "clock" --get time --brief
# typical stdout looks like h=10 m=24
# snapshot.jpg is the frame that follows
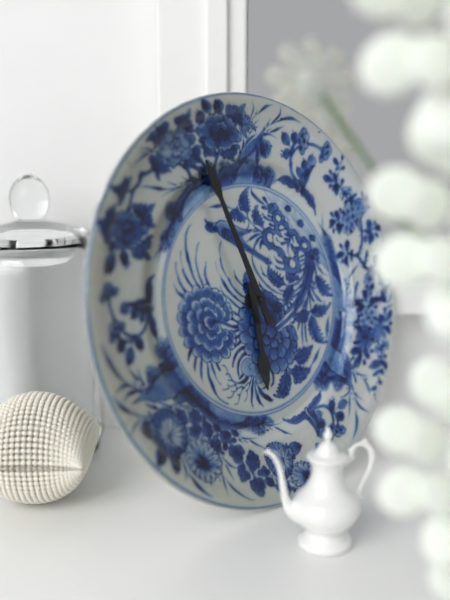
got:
h=5 m=57
